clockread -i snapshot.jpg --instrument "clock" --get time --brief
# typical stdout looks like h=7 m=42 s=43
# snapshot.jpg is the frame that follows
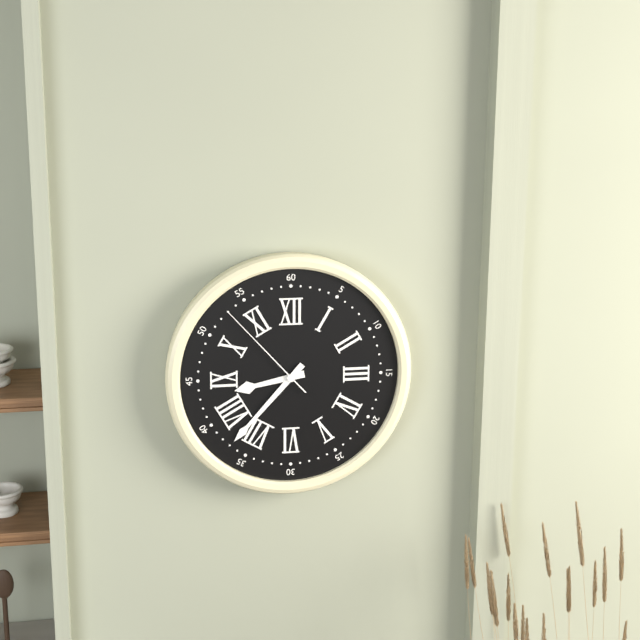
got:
h=8 m=37 s=53
